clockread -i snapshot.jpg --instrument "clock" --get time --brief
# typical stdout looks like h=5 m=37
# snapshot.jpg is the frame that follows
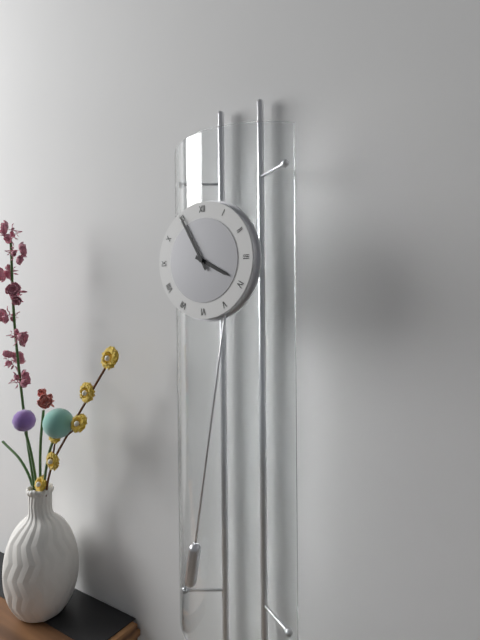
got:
h=3 m=55
